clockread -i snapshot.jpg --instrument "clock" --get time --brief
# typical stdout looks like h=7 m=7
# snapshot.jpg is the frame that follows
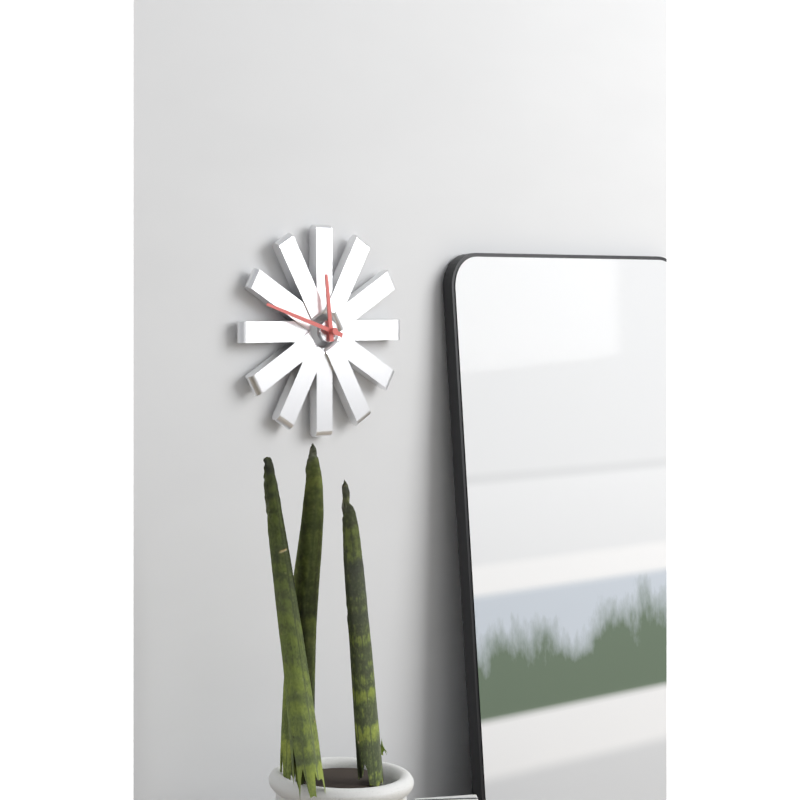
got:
h=11 m=48
